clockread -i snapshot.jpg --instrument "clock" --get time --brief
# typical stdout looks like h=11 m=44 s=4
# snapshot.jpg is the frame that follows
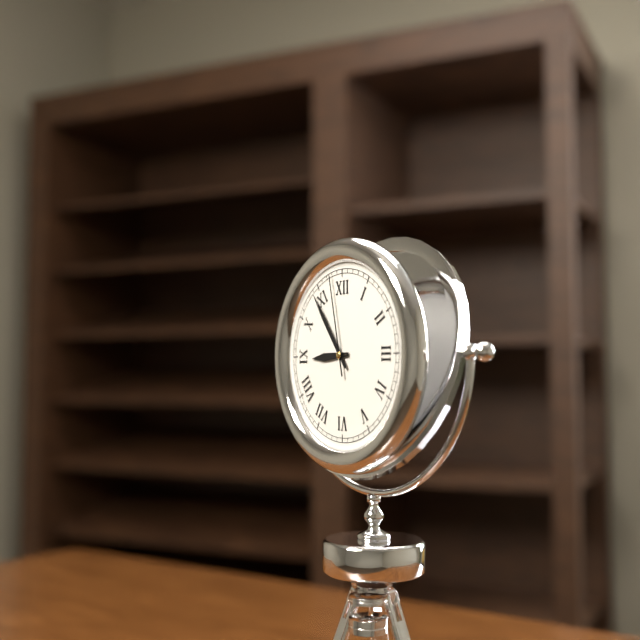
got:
h=8 m=54 s=58
